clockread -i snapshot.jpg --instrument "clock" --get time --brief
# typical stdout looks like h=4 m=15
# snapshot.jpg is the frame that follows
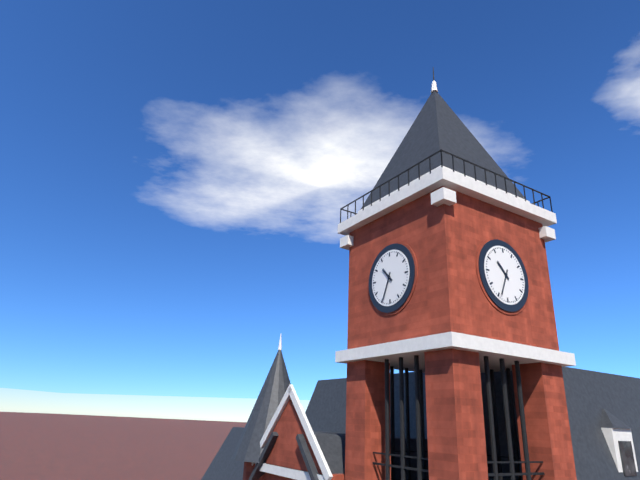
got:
h=10 m=34
